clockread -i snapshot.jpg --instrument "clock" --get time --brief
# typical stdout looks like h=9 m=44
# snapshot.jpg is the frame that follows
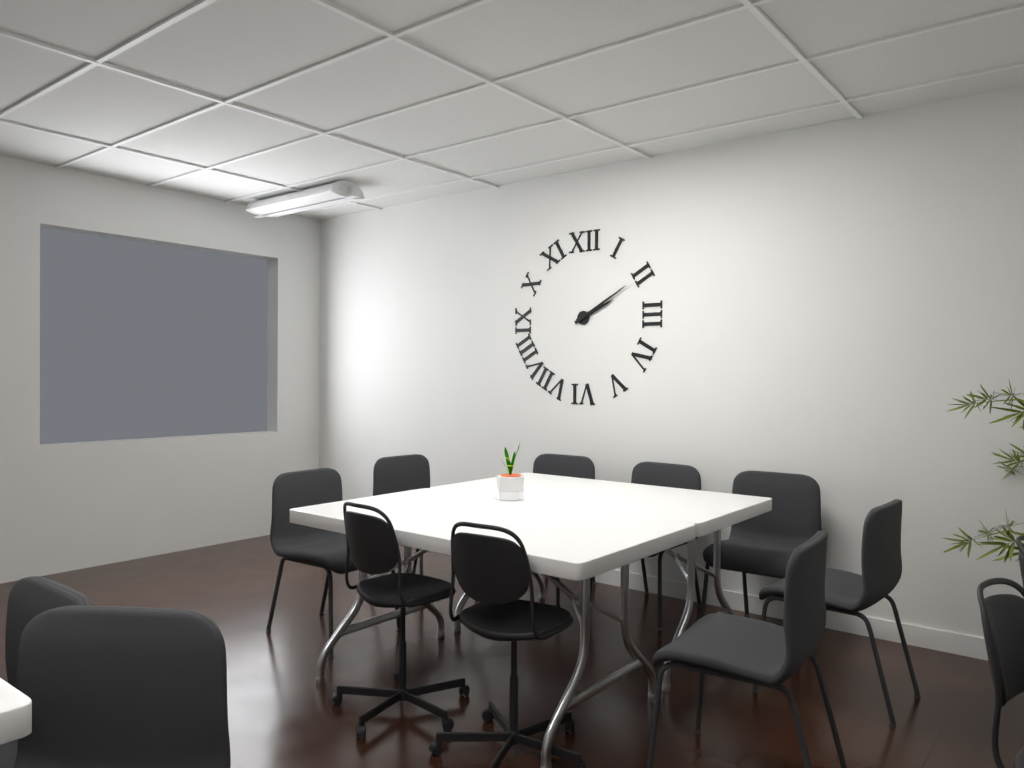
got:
h=2 m=10
